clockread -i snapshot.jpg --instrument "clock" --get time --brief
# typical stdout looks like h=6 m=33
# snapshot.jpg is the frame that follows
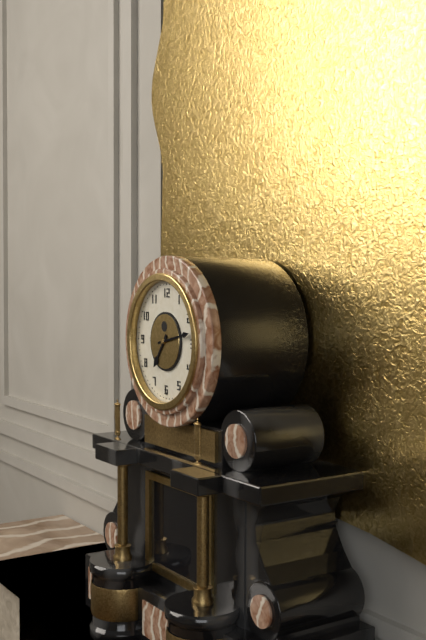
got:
h=7 m=13
